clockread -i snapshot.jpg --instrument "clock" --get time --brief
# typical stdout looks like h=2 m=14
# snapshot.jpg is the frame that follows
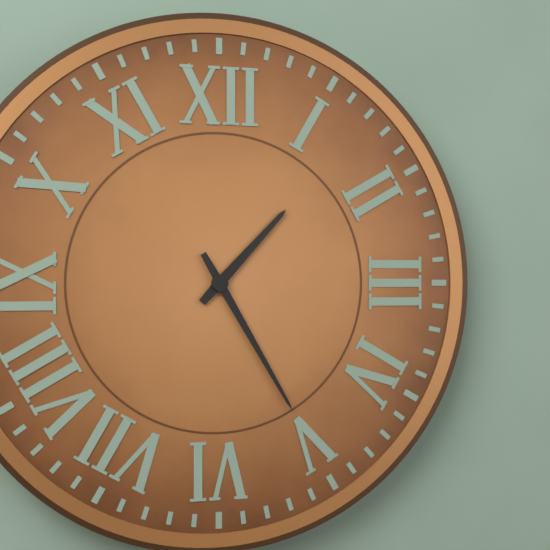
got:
h=1 m=25
